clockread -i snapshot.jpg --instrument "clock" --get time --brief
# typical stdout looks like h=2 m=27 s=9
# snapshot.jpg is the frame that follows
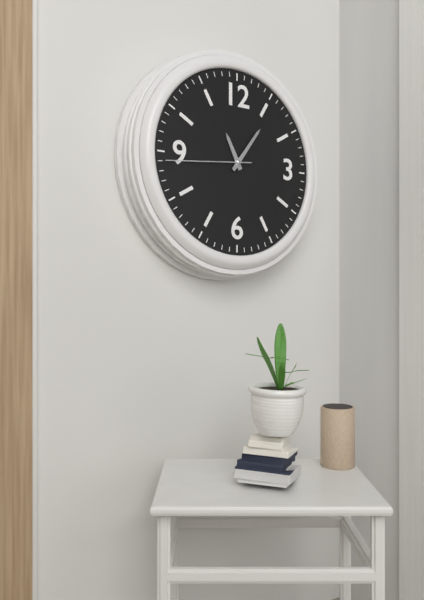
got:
h=11 m=6 s=44
